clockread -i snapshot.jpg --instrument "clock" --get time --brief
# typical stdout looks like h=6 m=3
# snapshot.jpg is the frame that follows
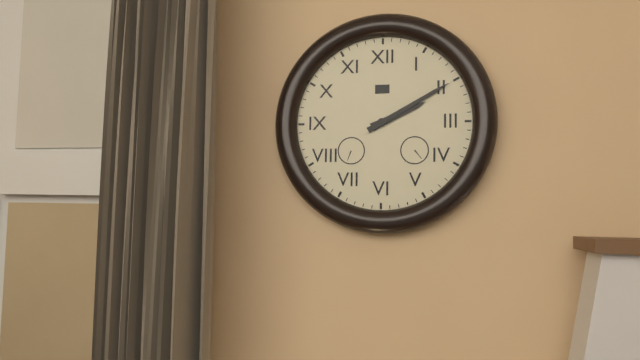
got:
h=2 m=10
